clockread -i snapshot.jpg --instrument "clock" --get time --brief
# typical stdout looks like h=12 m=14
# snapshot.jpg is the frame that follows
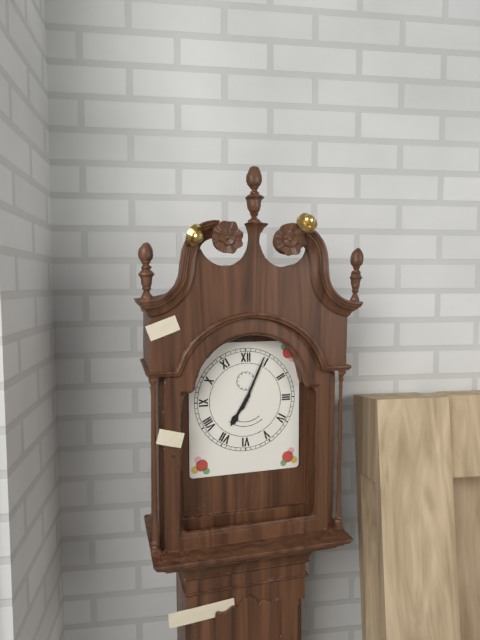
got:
h=7 m=4
